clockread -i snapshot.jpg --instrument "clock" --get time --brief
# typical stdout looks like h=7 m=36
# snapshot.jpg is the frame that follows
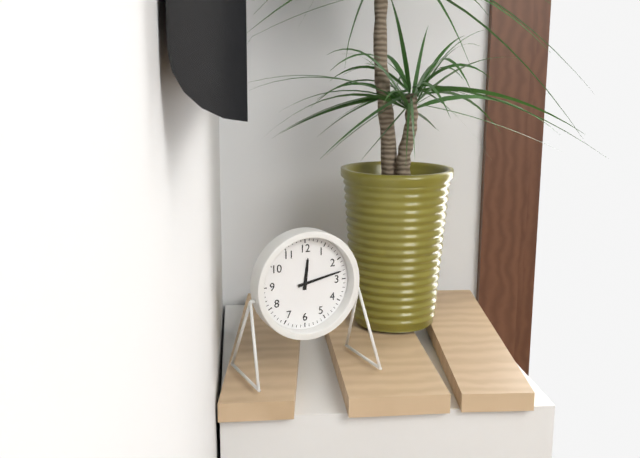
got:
h=12 m=13
